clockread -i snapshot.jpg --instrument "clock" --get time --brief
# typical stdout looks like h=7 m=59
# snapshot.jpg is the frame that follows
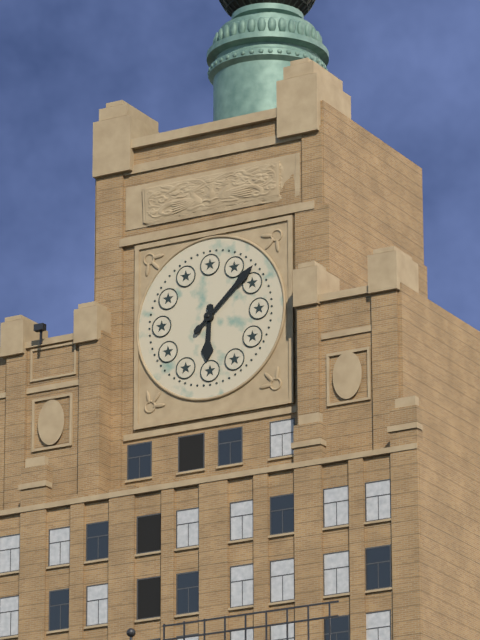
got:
h=6 m=8
